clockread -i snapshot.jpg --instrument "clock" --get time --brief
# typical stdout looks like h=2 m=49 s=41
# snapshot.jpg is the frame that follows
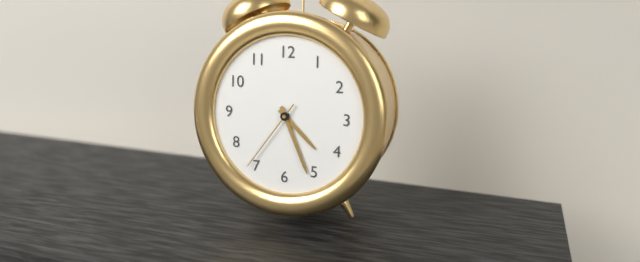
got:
h=4 m=26 s=36
